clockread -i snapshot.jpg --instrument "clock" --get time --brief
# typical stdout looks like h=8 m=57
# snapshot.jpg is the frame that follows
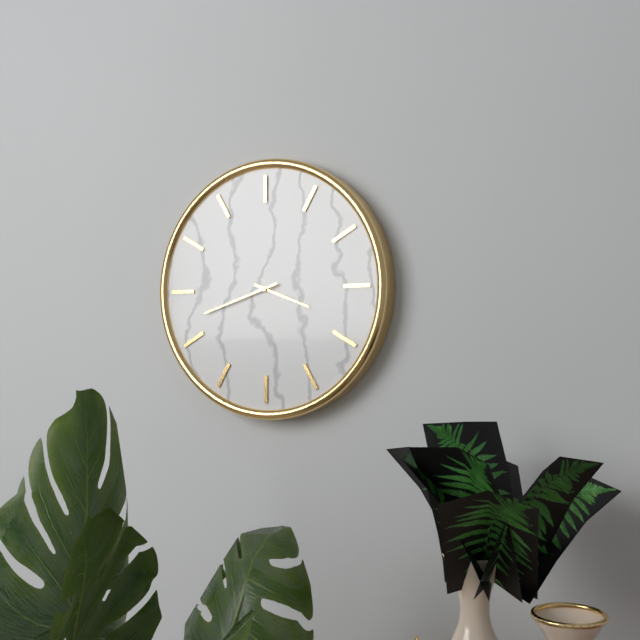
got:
h=3 m=42
